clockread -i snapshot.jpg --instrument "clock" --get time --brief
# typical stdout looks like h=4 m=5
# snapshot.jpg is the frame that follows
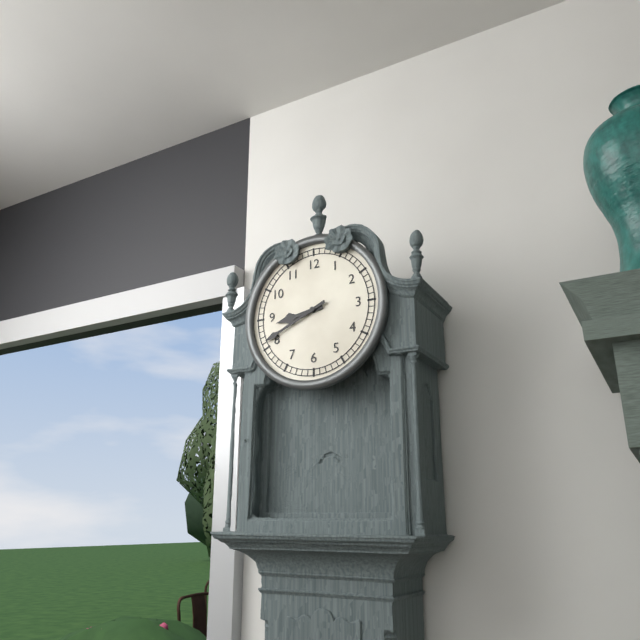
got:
h=8 m=41
